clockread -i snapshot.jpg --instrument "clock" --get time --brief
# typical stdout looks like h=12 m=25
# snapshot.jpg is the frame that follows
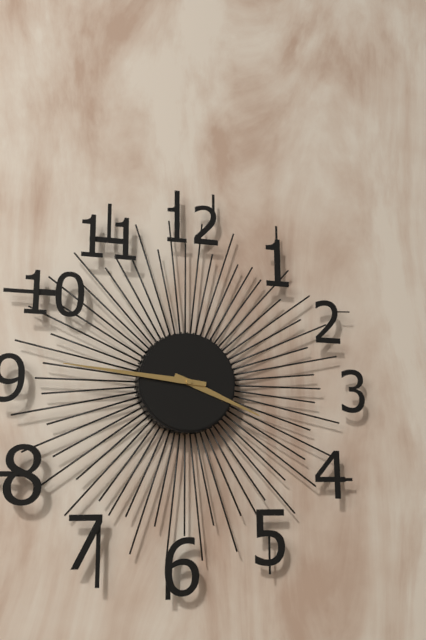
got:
h=3 m=46
